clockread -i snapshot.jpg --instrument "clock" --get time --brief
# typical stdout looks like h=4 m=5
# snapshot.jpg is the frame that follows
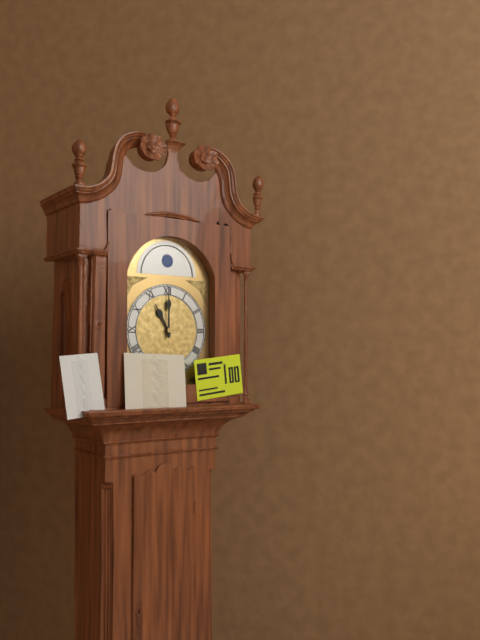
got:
h=11 m=0
